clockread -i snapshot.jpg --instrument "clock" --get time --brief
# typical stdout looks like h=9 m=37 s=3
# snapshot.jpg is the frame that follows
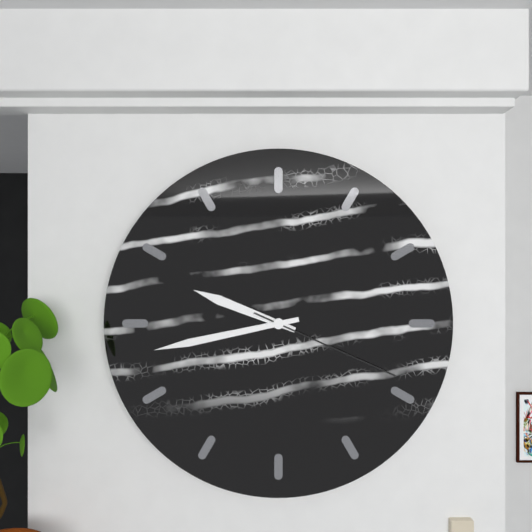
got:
h=9 m=43 s=19
